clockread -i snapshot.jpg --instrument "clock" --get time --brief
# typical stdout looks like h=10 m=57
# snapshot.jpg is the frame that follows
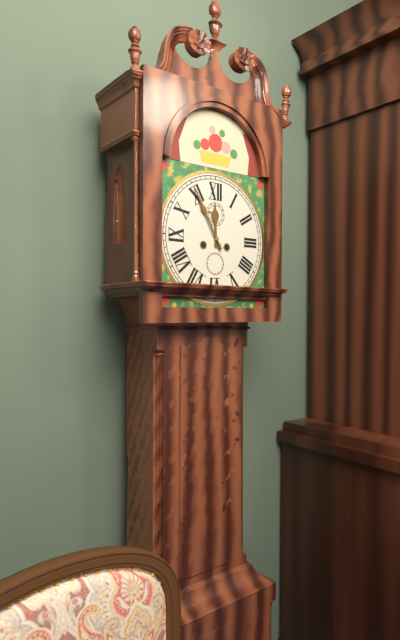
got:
h=11 m=55
